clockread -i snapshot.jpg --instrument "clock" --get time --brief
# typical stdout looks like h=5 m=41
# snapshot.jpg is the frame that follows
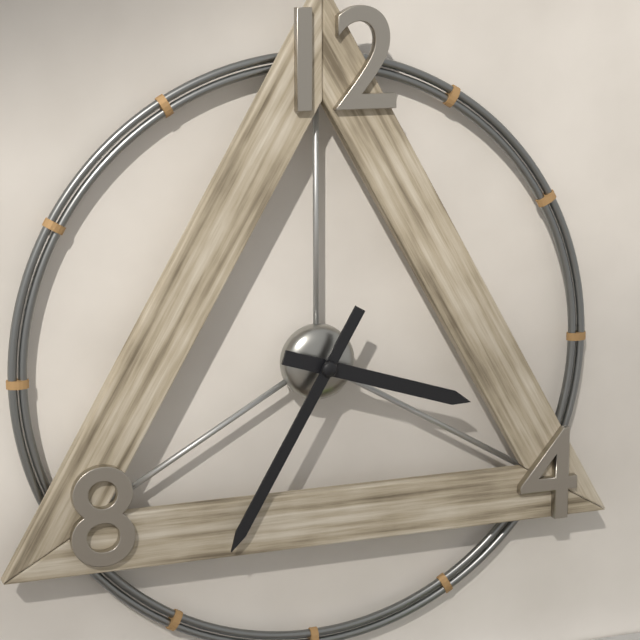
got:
h=3 m=35
